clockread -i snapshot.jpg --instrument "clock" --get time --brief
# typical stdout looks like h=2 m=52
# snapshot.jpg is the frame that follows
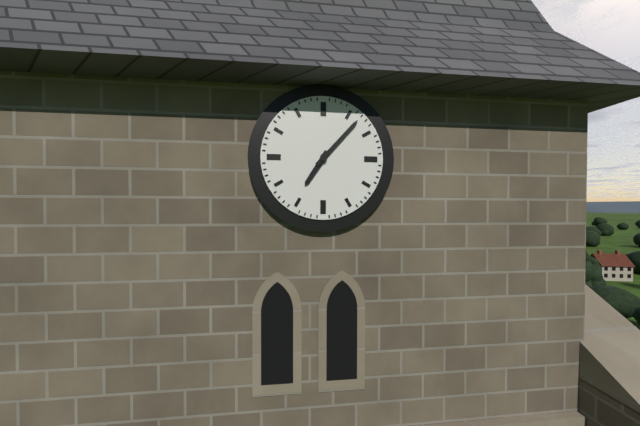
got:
h=7 m=7
